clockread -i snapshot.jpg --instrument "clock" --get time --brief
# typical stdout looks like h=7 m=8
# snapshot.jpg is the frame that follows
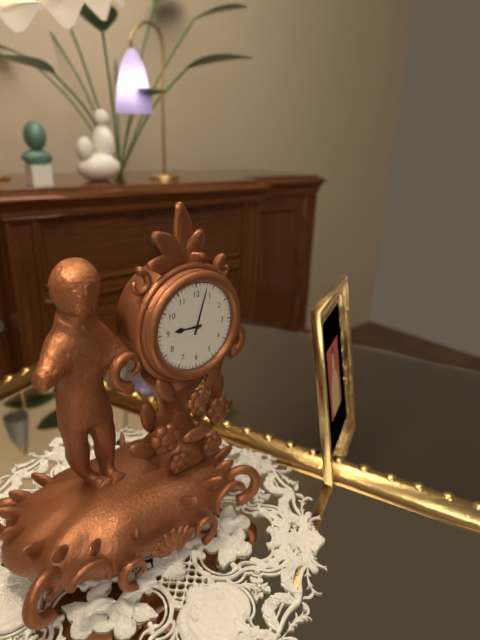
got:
h=9 m=3
